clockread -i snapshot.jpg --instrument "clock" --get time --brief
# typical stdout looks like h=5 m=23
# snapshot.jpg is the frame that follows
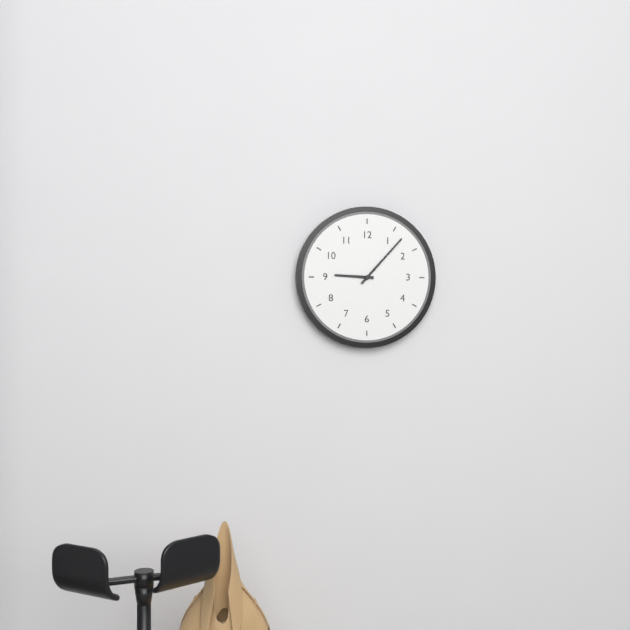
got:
h=9 m=7
